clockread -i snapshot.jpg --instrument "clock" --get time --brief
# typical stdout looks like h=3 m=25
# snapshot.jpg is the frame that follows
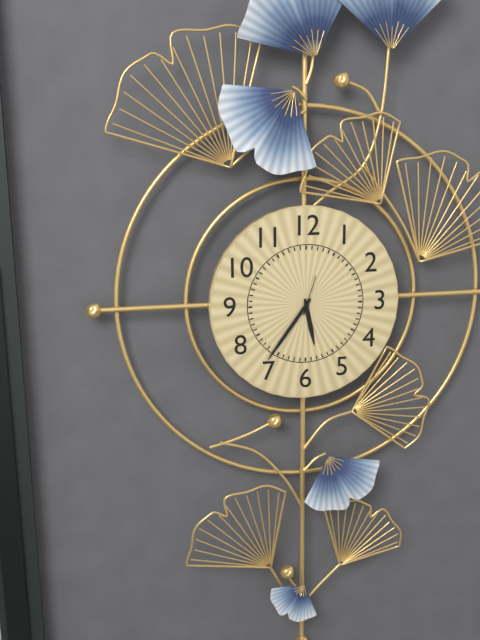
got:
h=5 m=36
